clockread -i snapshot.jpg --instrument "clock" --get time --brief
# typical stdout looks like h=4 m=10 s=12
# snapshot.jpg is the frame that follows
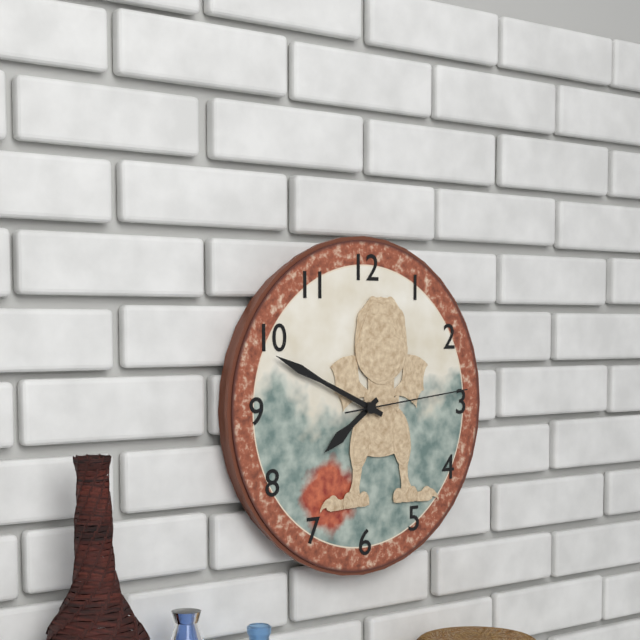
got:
h=7 m=49 s=14
